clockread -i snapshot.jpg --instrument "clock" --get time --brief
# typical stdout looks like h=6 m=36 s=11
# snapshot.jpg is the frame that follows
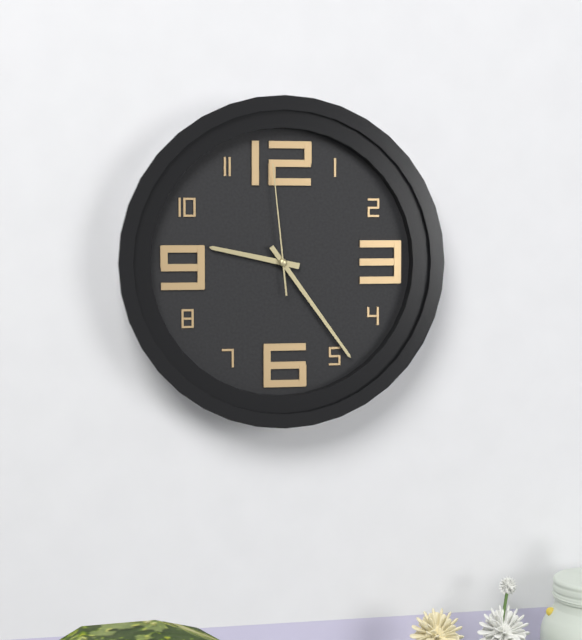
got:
h=9 m=24 s=59
